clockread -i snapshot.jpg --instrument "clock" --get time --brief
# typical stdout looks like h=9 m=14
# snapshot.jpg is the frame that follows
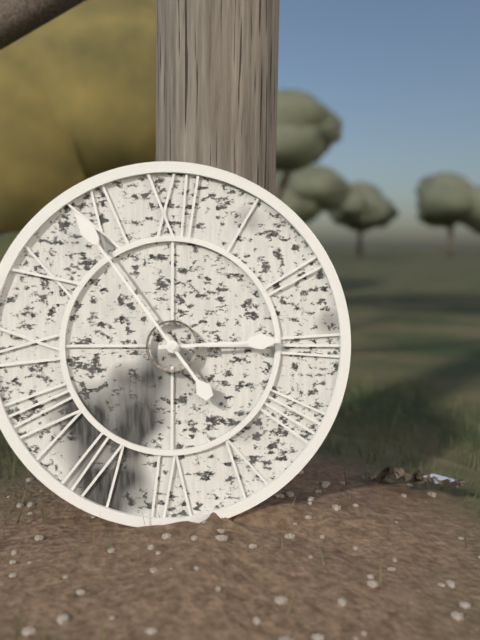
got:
h=2 m=54
